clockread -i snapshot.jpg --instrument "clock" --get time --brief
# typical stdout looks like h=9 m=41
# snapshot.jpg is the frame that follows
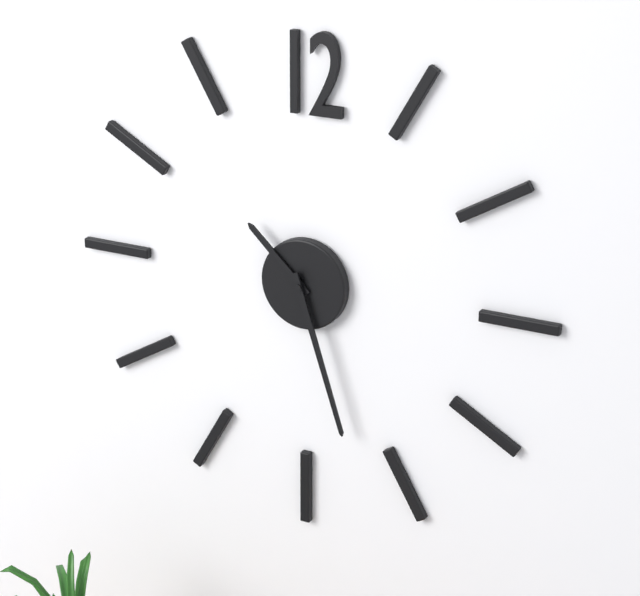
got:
h=10 m=27
